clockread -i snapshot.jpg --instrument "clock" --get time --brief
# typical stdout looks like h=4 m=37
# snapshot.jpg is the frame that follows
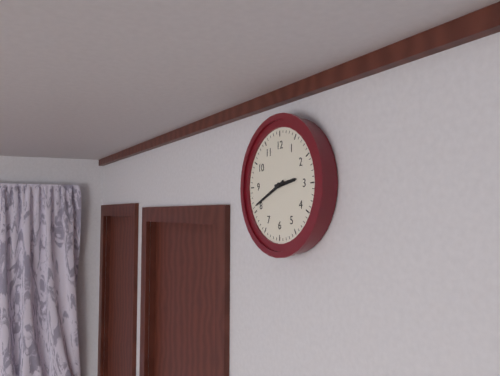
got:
h=2 m=41
